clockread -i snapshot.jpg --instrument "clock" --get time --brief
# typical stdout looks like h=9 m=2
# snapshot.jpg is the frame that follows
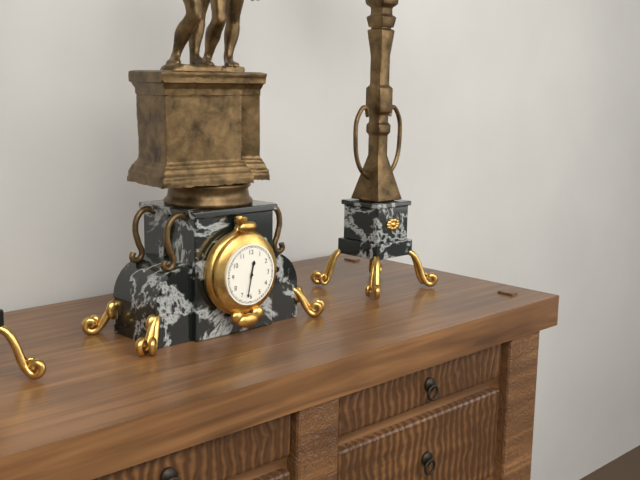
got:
h=12 m=32
